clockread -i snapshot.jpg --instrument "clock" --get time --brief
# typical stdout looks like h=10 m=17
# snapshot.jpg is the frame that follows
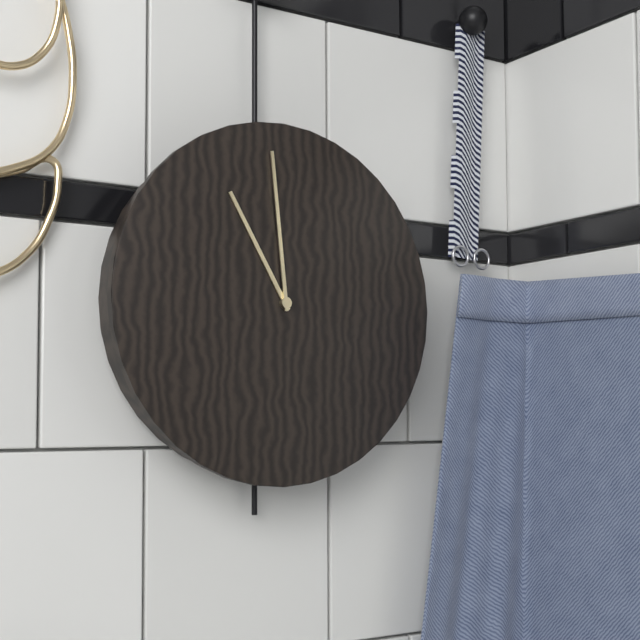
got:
h=10 m=59
